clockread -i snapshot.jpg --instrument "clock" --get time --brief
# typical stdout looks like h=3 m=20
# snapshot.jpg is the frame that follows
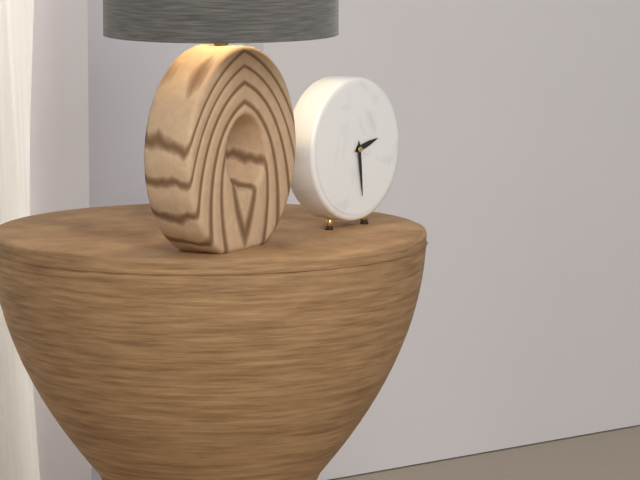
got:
h=2 m=29
